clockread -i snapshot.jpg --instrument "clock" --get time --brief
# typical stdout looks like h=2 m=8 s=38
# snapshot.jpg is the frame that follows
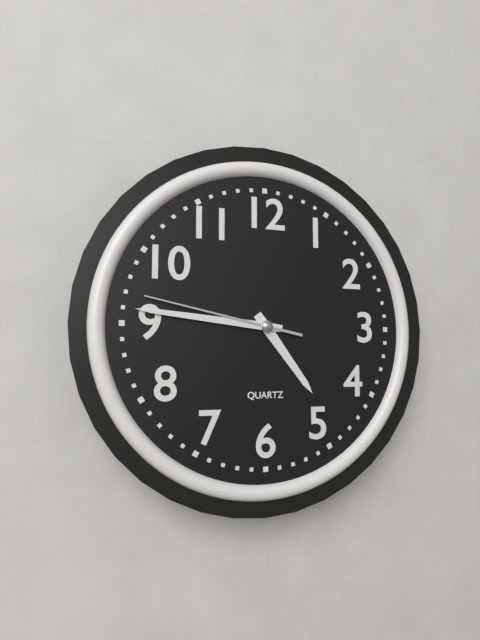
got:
h=4 m=46 s=47
